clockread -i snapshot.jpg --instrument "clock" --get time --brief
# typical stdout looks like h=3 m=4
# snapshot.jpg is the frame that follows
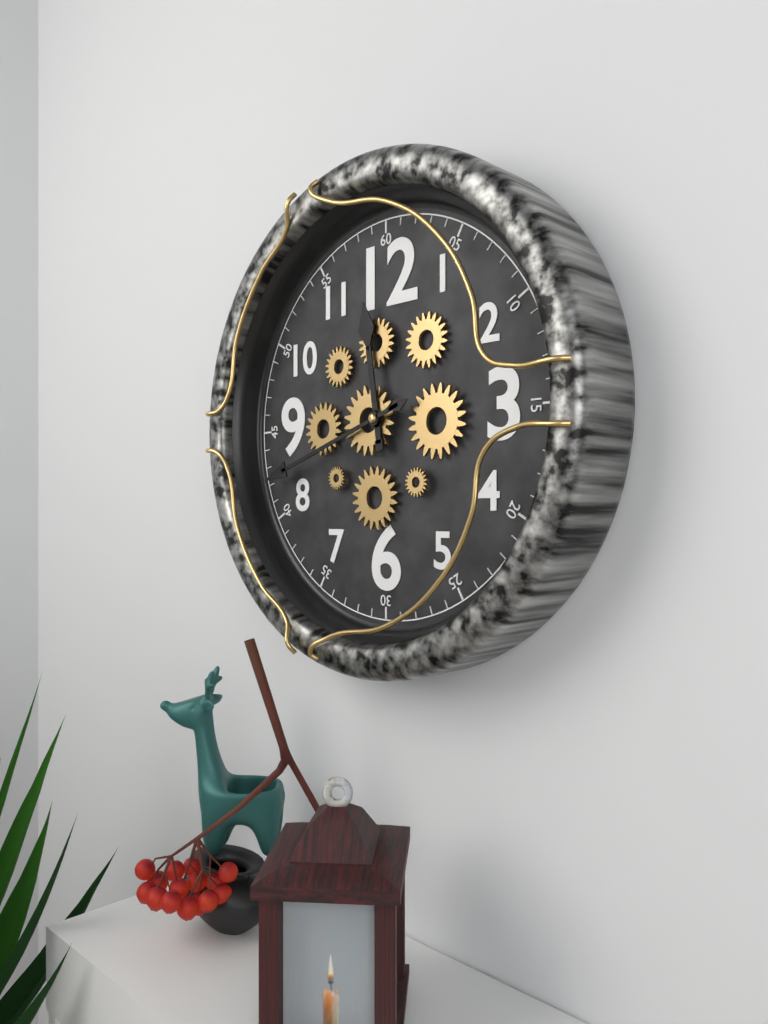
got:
h=11 m=42
